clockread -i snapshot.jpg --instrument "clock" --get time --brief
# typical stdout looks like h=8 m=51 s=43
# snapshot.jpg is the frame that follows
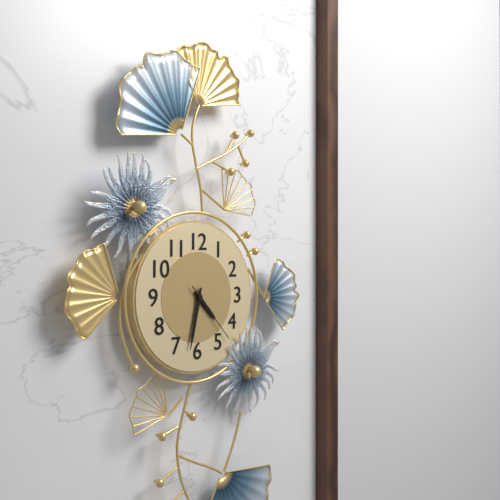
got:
h=4 m=32 s=23
